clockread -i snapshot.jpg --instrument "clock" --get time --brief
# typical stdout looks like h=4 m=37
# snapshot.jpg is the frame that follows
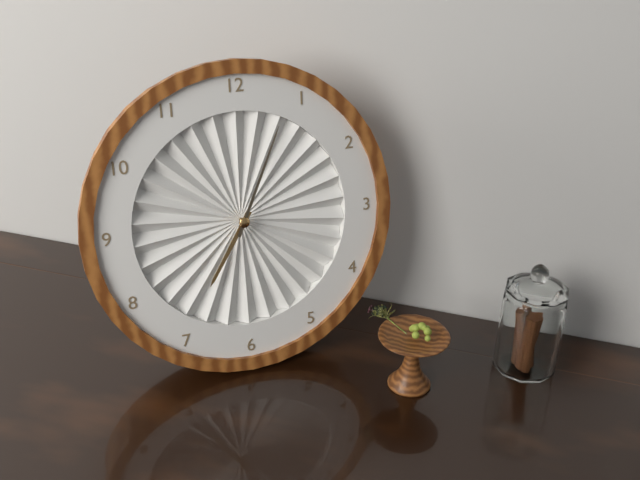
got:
h=7 m=4
